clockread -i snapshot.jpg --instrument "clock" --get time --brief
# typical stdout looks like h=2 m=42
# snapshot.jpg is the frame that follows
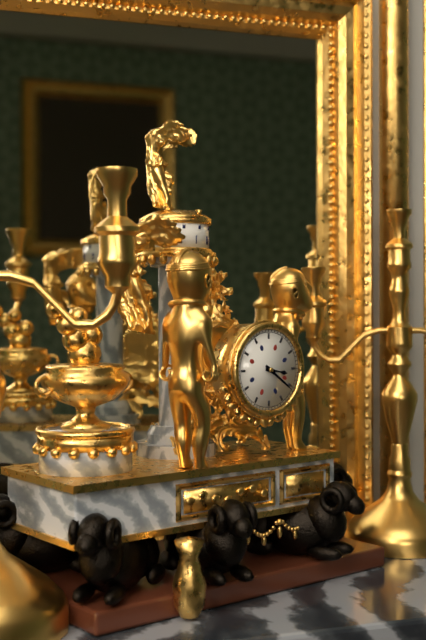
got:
h=3 m=21
